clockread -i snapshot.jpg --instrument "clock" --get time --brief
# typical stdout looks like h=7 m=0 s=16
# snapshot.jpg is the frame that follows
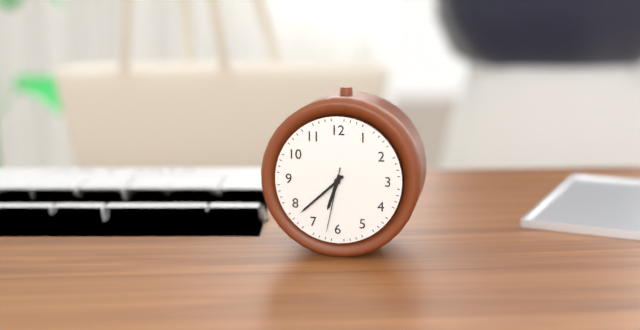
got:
h=6 m=38 s=32
